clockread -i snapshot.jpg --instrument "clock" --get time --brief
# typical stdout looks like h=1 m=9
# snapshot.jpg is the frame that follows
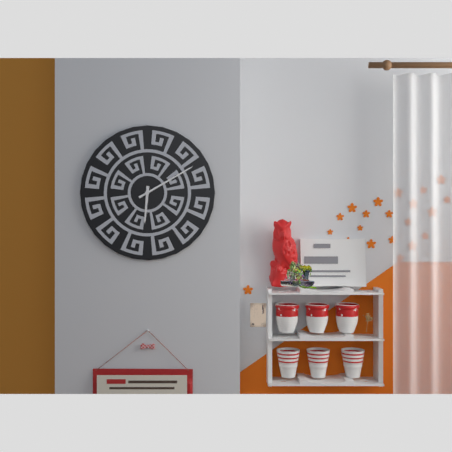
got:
h=6 m=10
